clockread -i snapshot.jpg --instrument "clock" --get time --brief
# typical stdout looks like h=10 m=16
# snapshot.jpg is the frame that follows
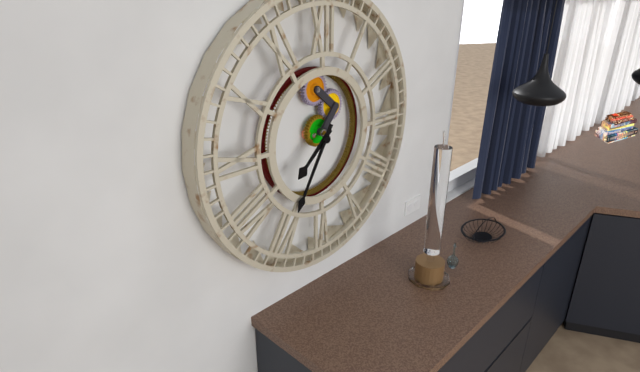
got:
h=7 m=35
